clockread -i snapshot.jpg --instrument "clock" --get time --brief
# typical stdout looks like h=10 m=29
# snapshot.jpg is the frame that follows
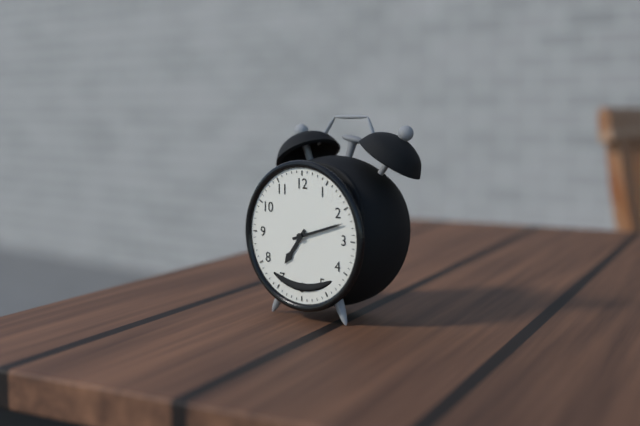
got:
h=7 m=12
